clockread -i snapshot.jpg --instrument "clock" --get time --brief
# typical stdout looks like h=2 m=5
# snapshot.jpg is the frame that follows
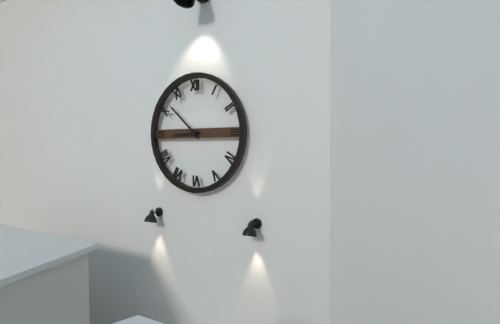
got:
h=8 m=52
